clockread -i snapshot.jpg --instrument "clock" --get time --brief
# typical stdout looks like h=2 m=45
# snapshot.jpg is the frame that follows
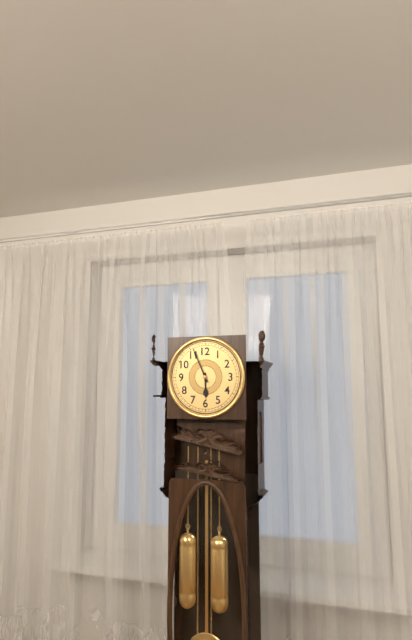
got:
h=5 m=56
